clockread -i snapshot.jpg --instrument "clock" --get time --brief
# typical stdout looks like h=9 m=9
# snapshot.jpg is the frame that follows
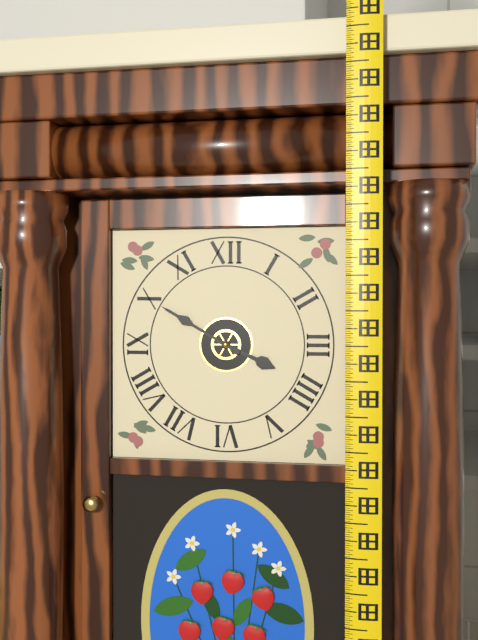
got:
h=3 m=50
